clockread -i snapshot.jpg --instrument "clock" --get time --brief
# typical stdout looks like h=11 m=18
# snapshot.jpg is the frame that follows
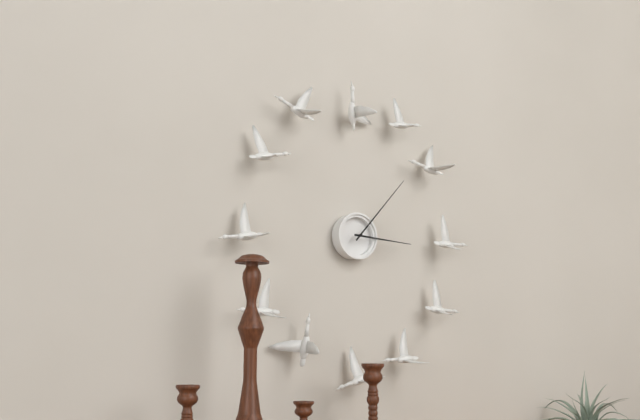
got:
h=3 m=7
